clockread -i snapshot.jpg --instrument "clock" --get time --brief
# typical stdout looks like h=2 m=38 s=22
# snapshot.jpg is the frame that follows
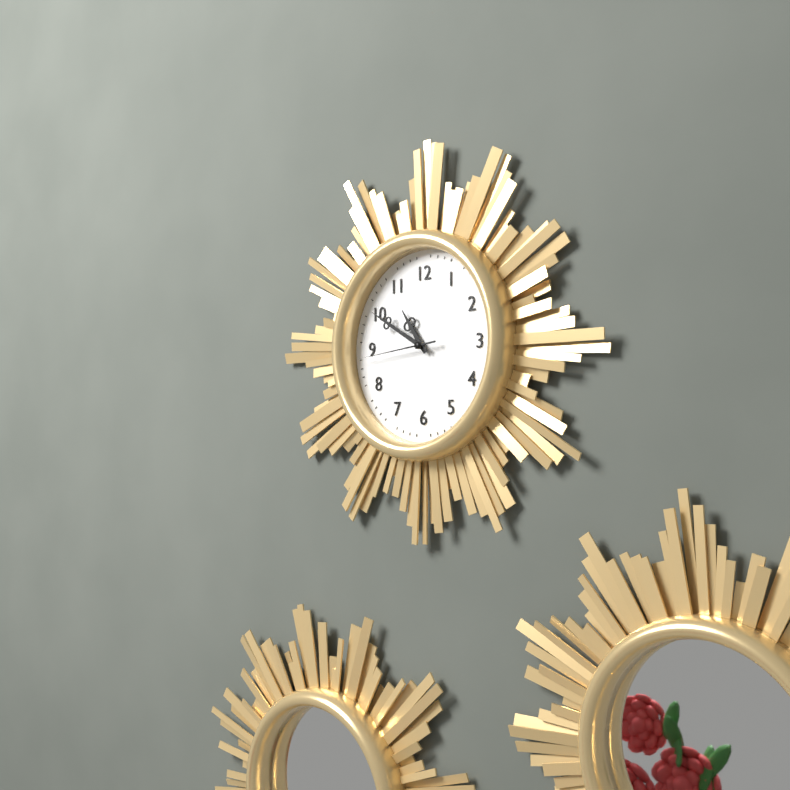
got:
h=10 m=50 s=44
